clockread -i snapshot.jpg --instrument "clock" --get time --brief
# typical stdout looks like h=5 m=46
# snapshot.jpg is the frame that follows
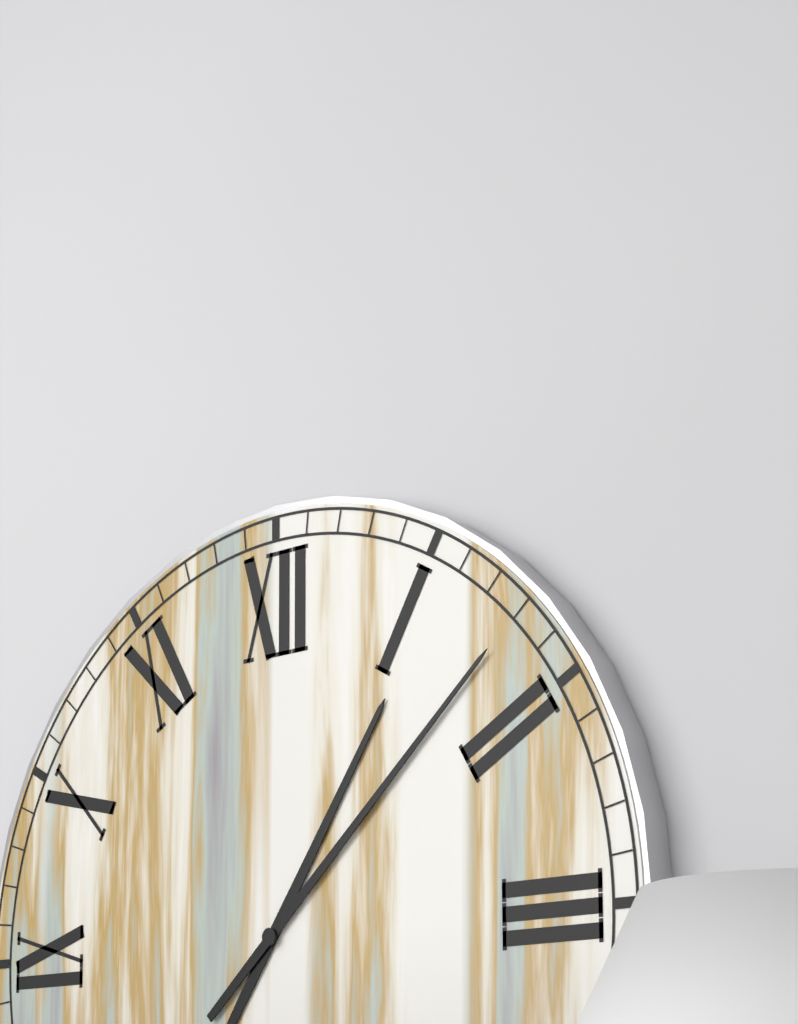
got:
h=1 m=8
